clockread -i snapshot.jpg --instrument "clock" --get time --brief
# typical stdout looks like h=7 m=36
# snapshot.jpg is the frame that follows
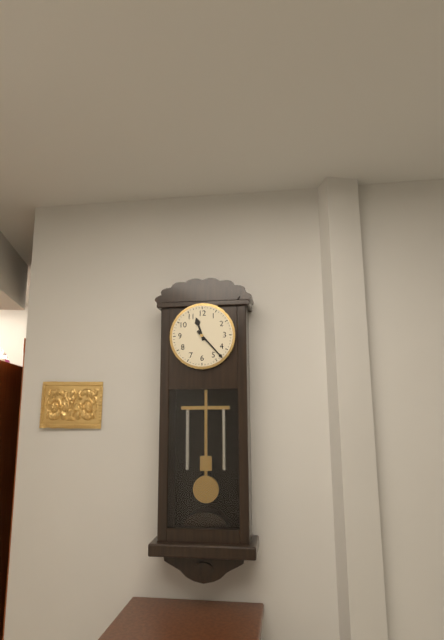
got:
h=11 m=23
